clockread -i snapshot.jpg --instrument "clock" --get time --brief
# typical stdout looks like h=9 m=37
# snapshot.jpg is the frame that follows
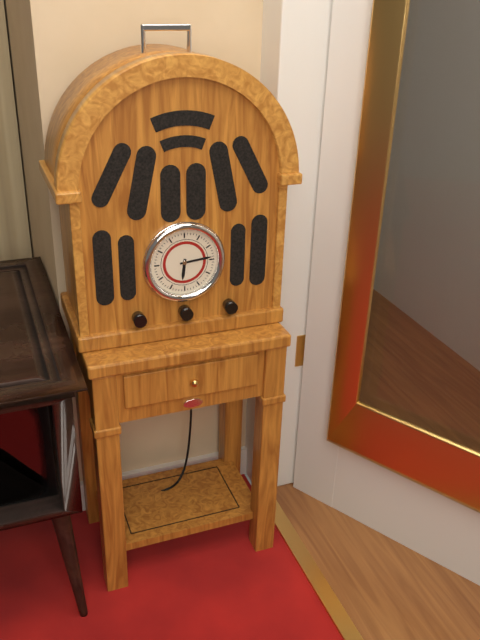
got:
h=6 m=14
